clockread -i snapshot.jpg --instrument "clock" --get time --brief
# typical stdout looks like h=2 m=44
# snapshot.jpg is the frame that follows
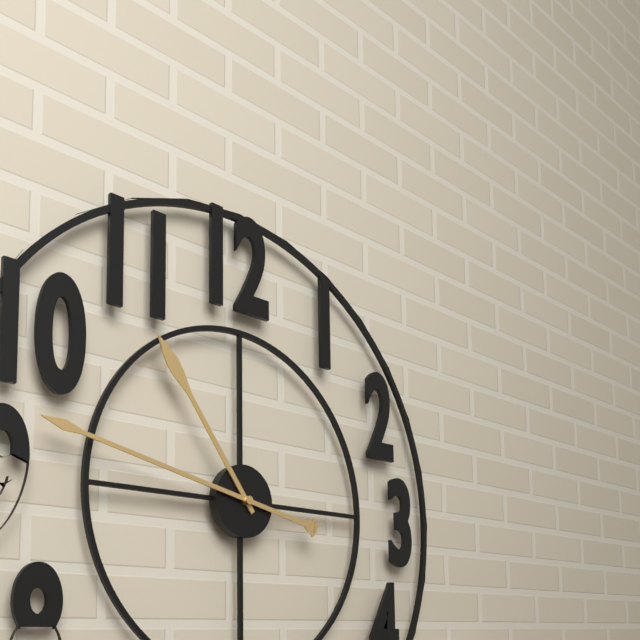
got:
h=10 m=47
